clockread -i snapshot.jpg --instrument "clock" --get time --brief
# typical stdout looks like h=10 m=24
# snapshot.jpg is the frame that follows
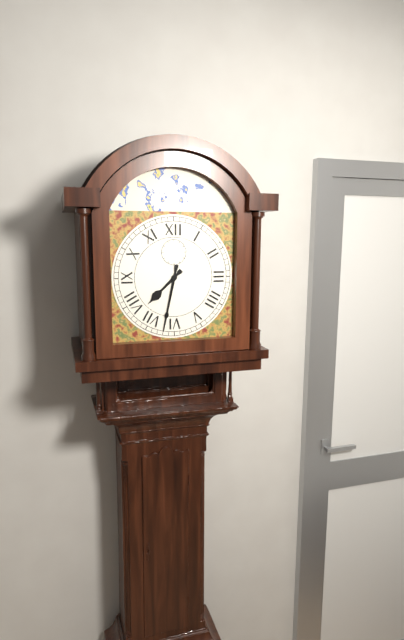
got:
h=7 m=32
